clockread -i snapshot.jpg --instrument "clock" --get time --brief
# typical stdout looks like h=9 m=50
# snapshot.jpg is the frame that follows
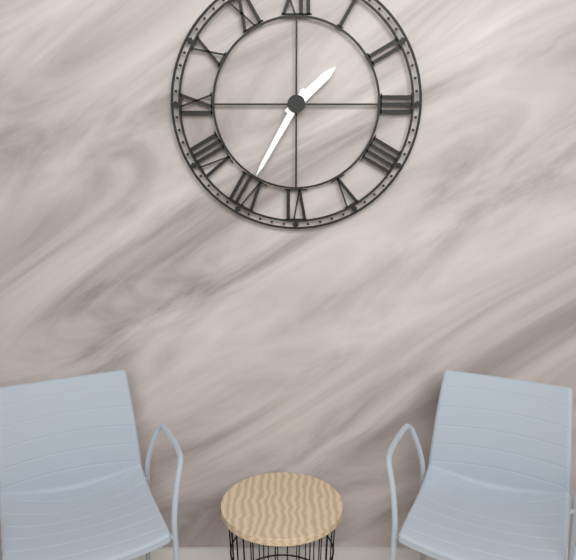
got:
h=1 m=35
